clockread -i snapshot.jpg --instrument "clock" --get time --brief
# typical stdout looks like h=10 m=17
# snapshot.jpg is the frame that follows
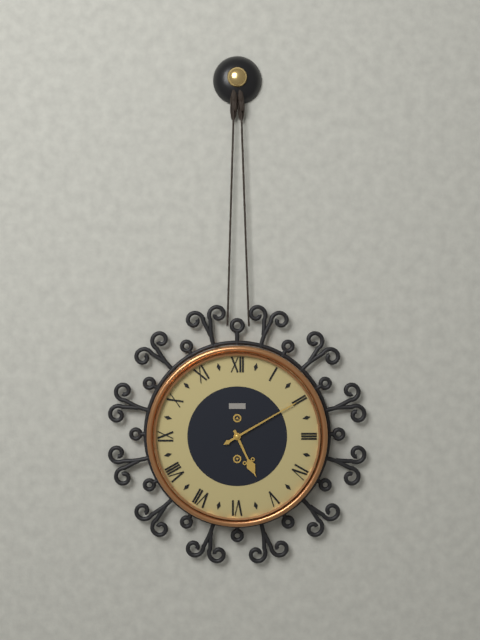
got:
h=5 m=10
